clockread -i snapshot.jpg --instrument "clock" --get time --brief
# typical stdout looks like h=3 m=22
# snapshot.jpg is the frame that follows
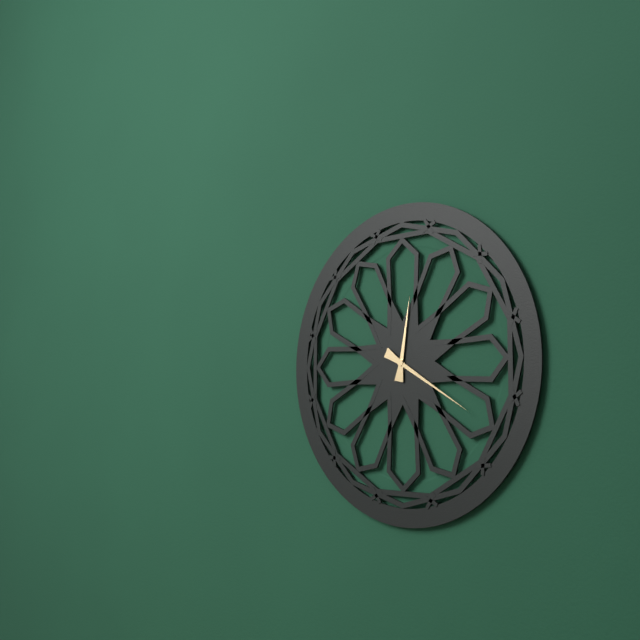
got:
h=12 m=20
